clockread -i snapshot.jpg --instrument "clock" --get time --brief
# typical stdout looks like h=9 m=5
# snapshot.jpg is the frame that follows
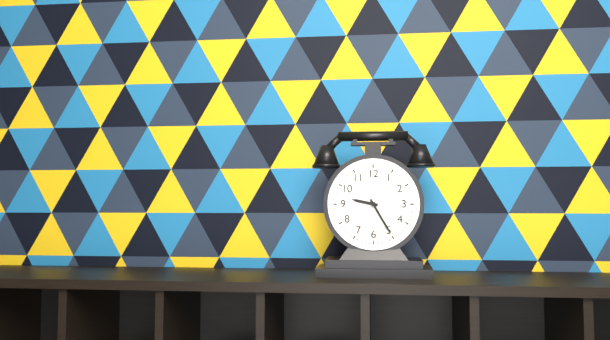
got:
h=9 m=25
